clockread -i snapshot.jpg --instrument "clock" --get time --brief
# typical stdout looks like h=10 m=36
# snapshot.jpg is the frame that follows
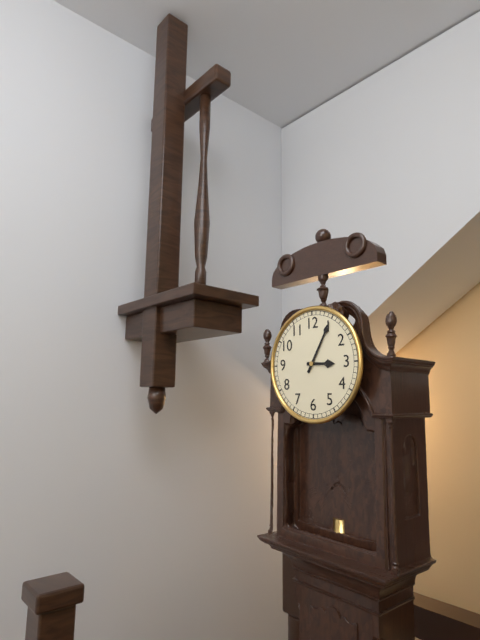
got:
h=3 m=5
